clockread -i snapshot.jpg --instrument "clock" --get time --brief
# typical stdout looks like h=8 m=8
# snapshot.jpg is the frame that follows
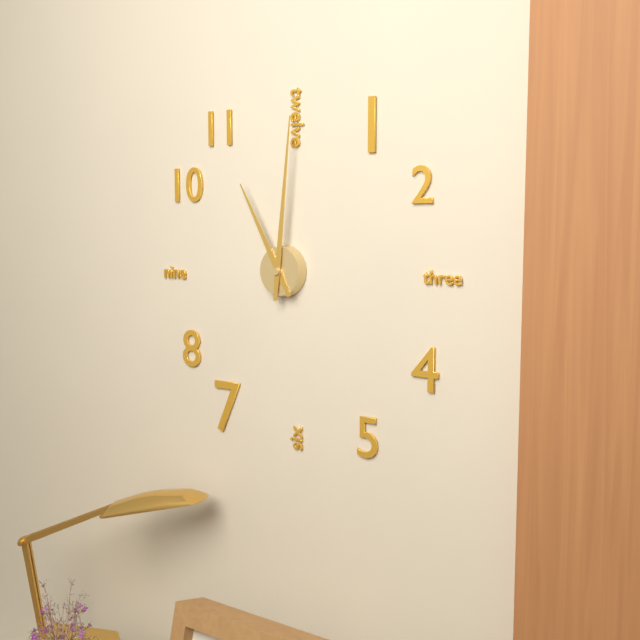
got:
h=11 m=1
